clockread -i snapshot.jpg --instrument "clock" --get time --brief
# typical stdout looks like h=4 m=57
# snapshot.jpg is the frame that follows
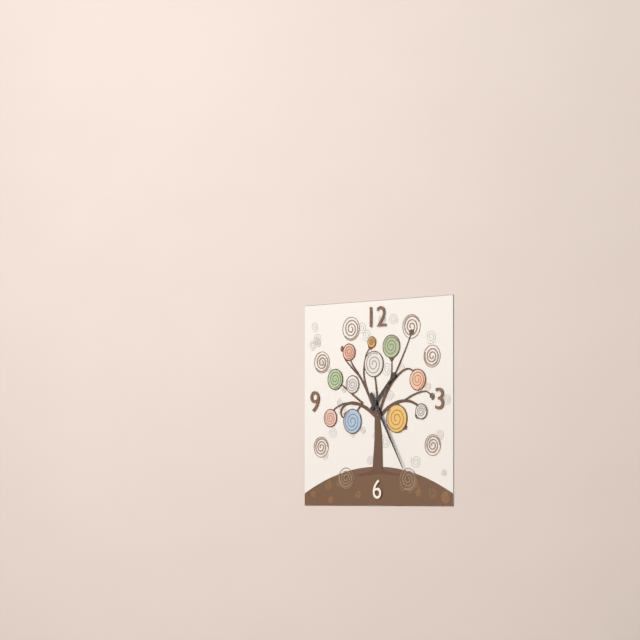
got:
h=1 m=25
